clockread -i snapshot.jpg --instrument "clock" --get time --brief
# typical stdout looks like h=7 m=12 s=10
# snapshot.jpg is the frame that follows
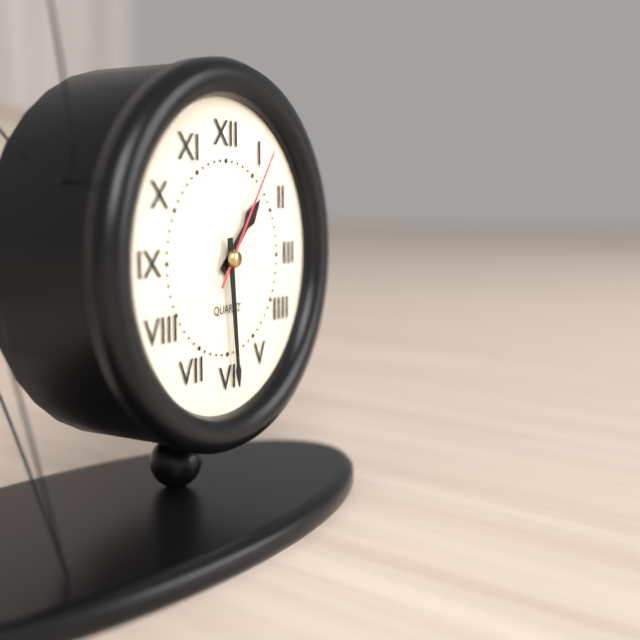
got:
h=1 m=29 s=6
